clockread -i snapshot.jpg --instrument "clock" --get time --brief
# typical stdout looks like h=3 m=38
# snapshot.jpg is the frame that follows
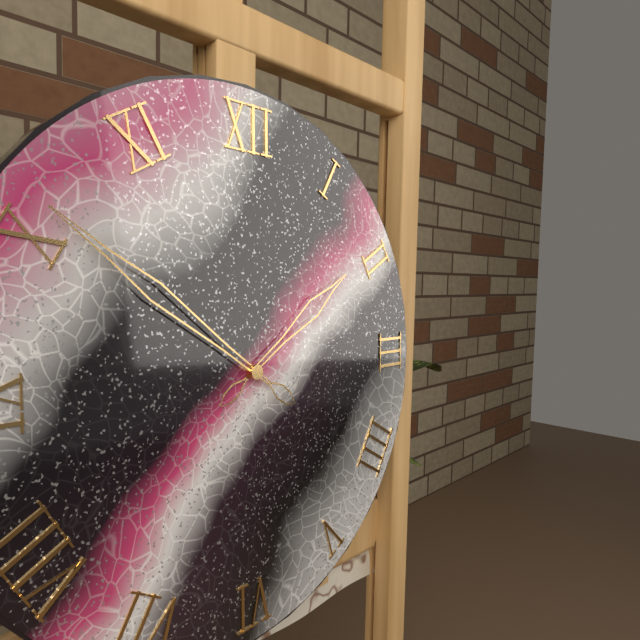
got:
h=1 m=51
